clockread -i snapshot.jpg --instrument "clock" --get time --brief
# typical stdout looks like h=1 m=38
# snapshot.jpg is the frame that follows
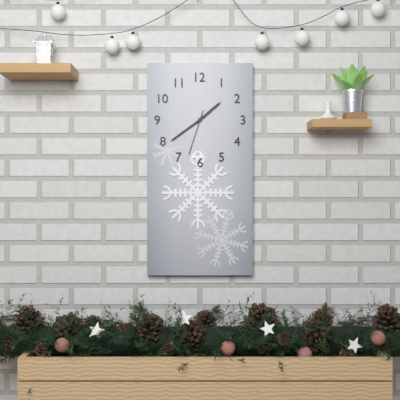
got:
h=1 m=39
